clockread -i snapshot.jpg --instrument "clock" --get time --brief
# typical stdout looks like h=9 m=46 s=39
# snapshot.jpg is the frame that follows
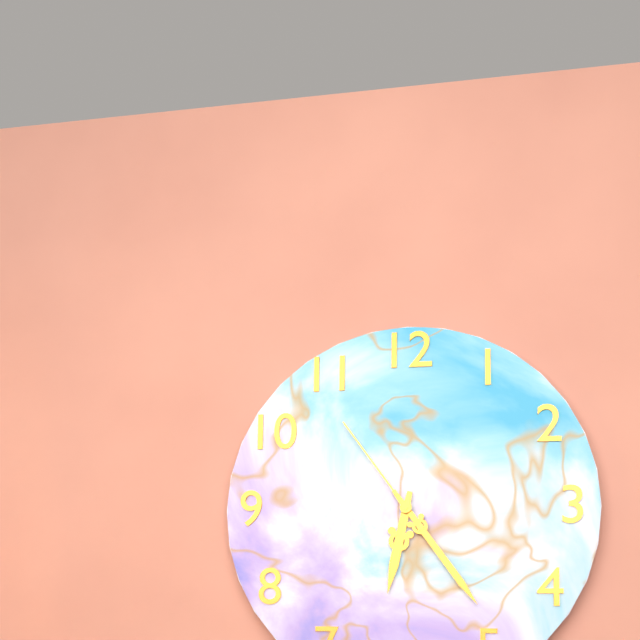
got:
h=6 m=24 s=54
